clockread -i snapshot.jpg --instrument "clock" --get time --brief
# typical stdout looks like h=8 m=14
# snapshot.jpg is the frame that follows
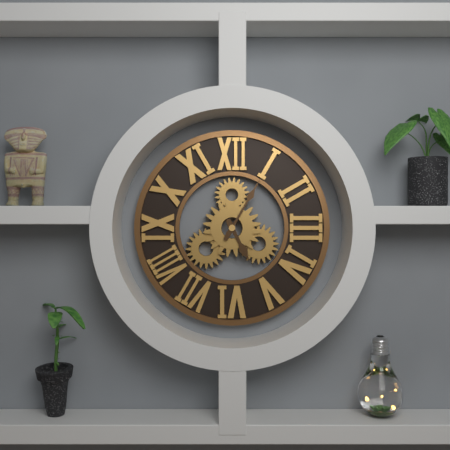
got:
h=5 m=5
